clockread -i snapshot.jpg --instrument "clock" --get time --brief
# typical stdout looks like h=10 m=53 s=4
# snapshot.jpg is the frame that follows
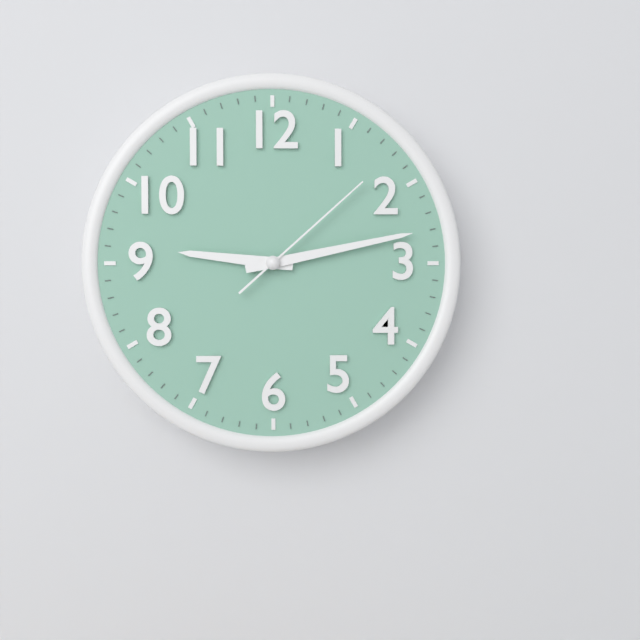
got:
h=9 m=13 s=8
